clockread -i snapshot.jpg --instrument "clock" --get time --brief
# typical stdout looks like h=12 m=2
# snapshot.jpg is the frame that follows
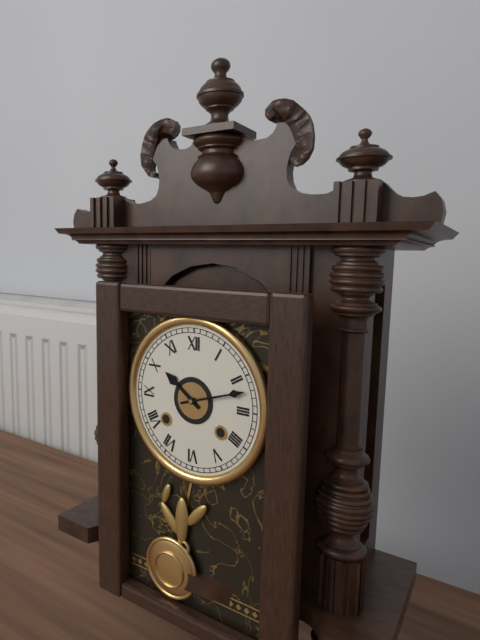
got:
h=10 m=12
